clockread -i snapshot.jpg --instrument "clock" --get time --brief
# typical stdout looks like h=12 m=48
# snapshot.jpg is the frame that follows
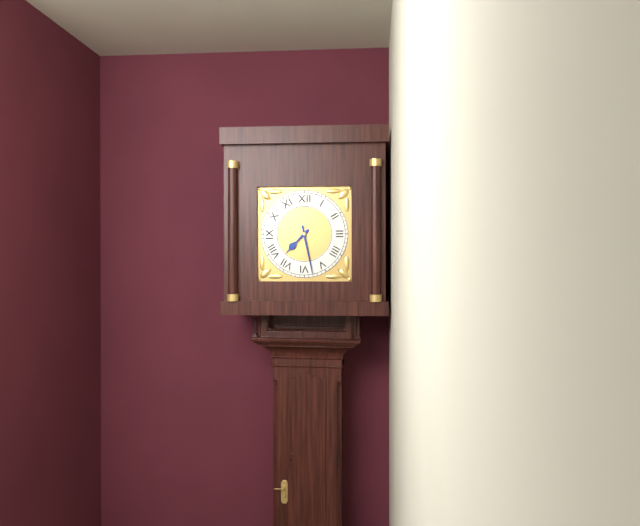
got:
h=7 m=28
